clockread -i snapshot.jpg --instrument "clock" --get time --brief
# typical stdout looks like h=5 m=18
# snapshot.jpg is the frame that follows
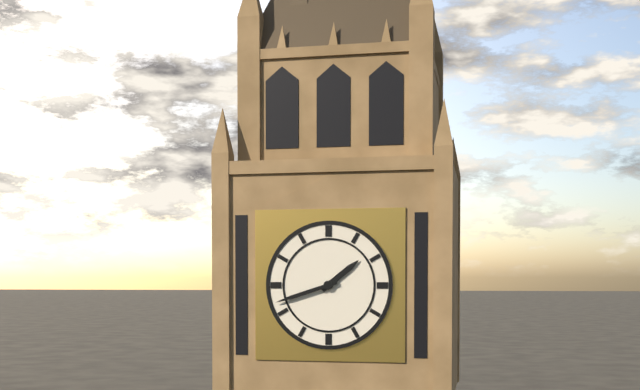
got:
h=1 m=42
